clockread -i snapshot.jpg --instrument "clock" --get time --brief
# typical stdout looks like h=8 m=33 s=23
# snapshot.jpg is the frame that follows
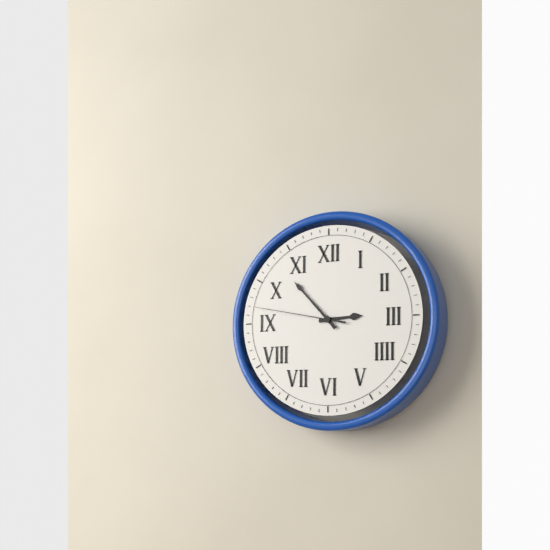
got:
h=2 m=53 s=47
